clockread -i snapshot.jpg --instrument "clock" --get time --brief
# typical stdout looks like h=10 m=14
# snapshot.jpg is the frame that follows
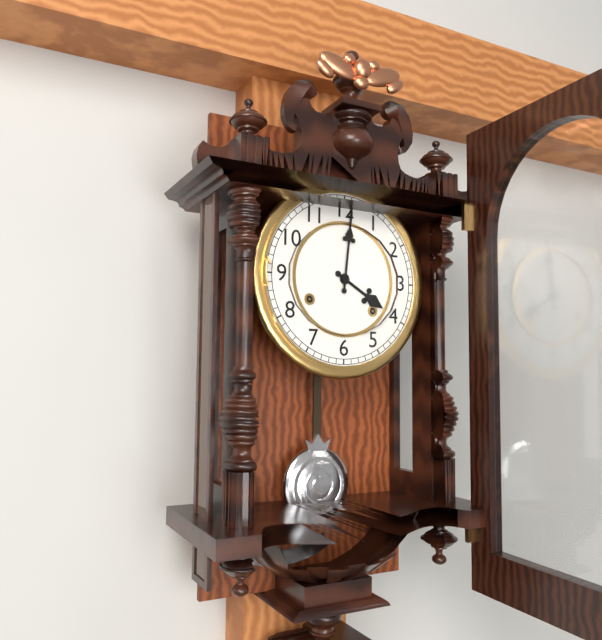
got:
h=4 m=1
